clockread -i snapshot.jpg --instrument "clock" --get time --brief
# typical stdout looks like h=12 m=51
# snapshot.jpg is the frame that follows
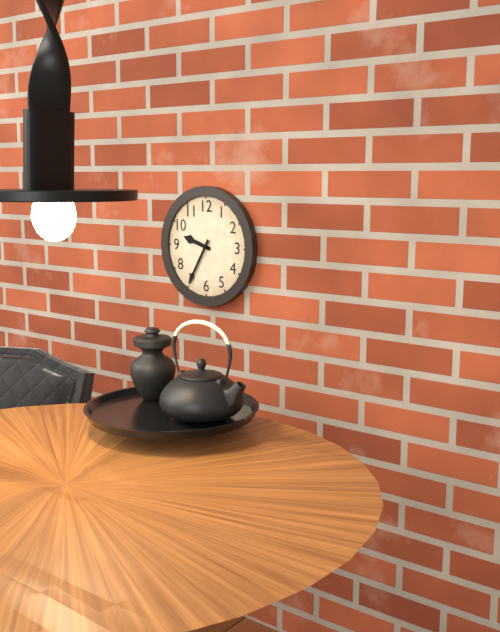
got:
h=9 m=35
